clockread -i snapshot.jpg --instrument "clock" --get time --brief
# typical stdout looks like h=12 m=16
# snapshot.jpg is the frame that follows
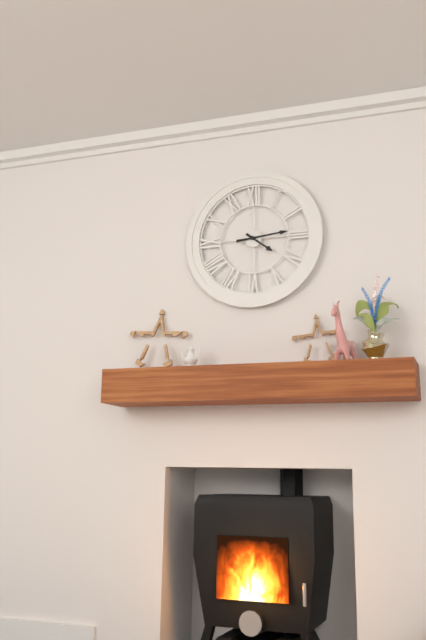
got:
h=4 m=14
